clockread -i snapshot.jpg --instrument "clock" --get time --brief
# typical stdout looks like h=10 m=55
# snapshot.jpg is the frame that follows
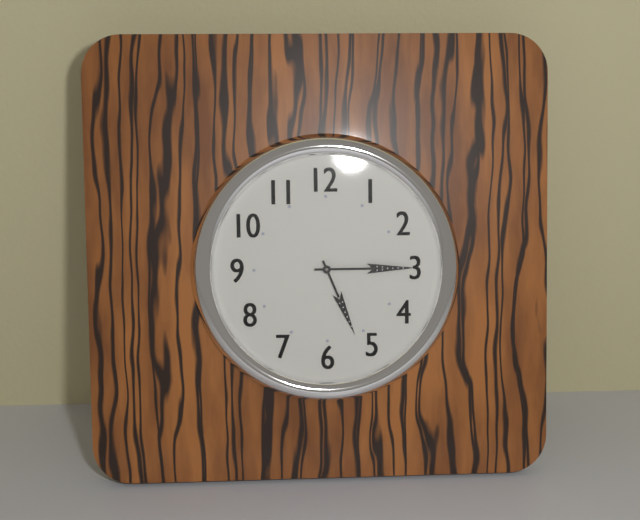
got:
h=5 m=15
